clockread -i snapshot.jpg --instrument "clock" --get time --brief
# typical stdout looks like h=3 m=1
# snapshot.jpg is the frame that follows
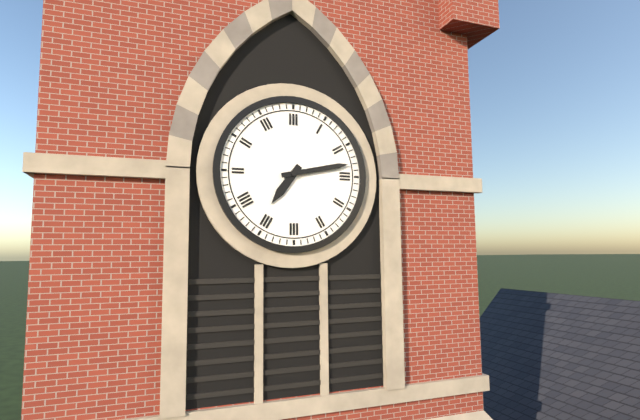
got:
h=7 m=13
